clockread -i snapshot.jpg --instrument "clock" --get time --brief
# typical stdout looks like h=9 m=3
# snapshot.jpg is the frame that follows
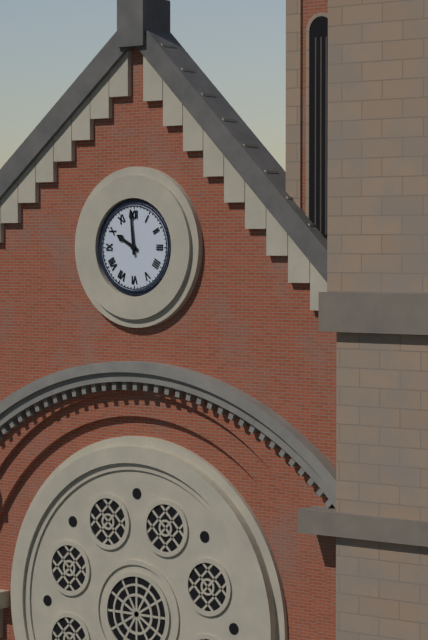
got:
h=9 m=59
